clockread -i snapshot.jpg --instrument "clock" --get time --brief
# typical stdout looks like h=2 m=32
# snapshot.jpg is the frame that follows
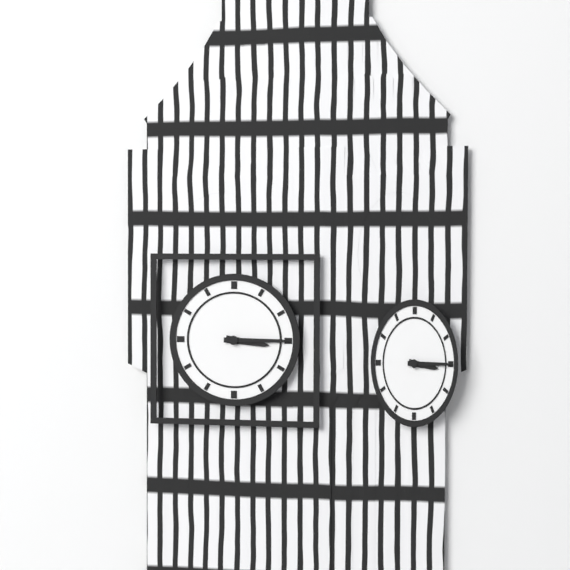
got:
h=3 m=15
